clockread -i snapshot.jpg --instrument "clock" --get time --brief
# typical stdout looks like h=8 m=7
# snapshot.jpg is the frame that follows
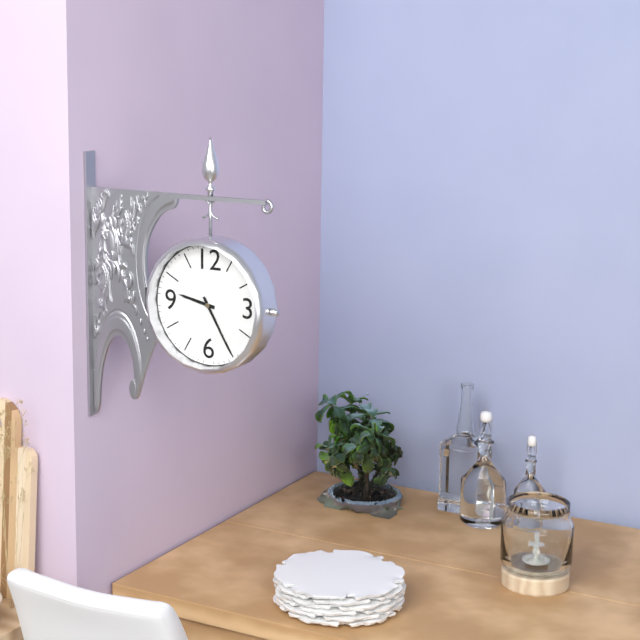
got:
h=9 m=25
